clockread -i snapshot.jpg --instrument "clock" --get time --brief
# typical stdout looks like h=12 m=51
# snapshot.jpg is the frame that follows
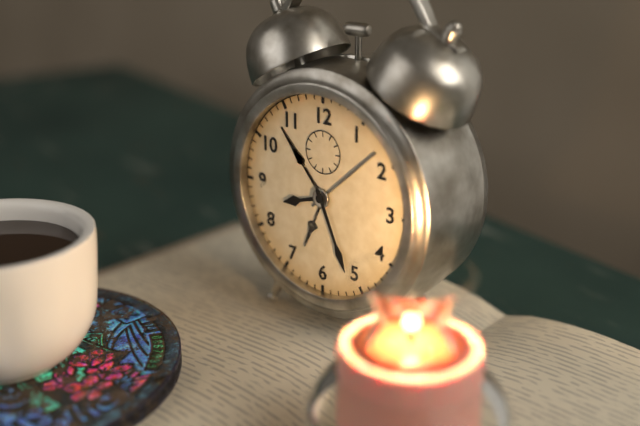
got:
h=8 m=26
